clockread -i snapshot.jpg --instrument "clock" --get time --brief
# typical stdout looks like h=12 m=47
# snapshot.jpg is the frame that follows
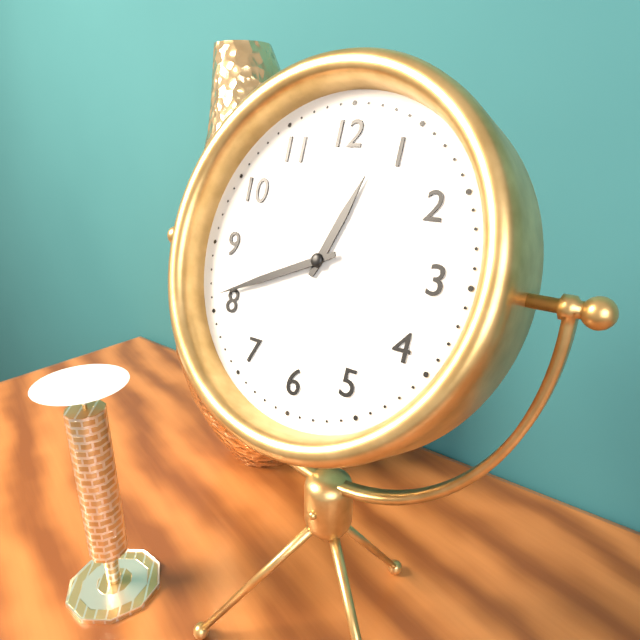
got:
h=12 m=41
